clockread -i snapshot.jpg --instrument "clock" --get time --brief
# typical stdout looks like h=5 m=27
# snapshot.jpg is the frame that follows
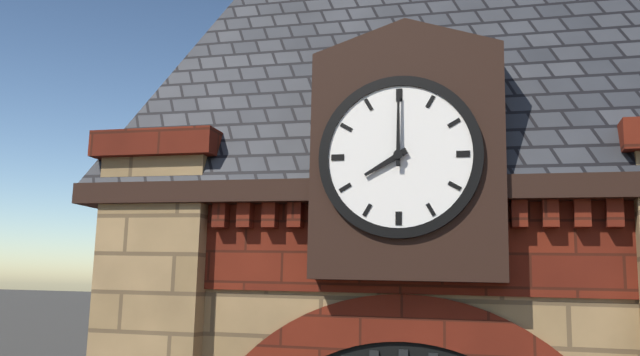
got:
h=8 m=0
